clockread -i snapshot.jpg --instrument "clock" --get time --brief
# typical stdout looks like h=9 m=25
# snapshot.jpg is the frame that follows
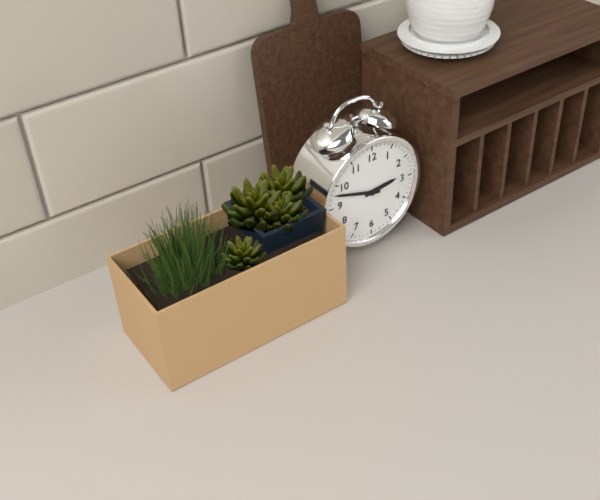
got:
h=2 m=48
